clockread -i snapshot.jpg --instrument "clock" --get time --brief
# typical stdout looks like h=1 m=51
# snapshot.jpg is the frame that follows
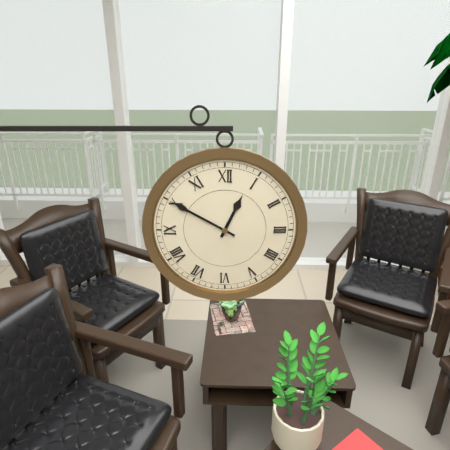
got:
h=12 m=50
